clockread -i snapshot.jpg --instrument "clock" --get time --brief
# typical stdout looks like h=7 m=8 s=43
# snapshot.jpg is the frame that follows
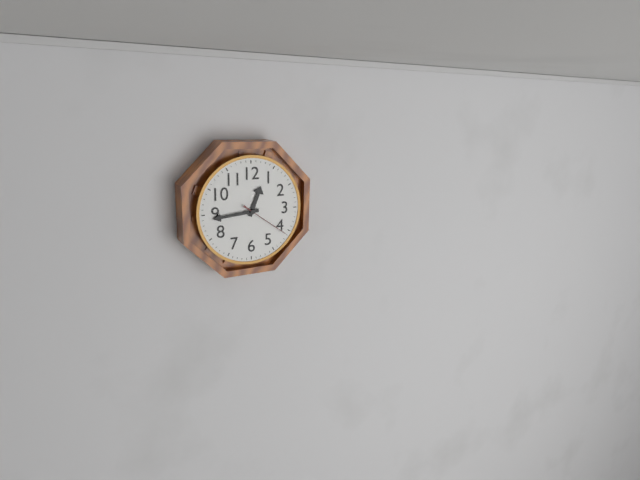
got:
h=12 m=44 s=21
